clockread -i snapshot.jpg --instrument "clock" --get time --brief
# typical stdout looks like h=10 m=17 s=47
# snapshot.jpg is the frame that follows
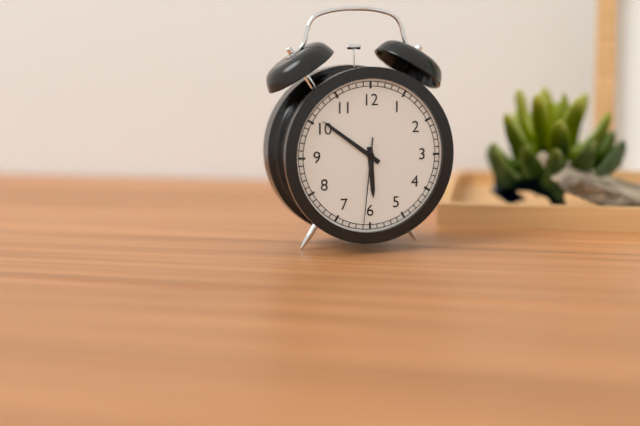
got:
h=5 m=51 s=31
